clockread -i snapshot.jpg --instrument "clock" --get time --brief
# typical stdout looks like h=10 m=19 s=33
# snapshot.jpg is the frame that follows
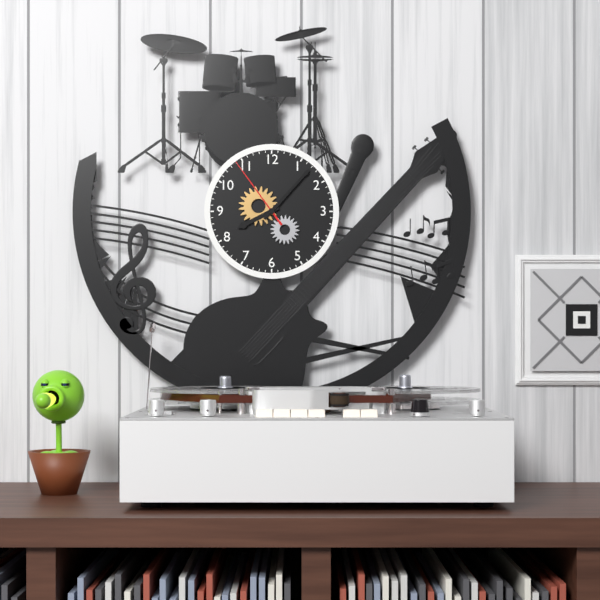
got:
h=8 m=7 s=54
